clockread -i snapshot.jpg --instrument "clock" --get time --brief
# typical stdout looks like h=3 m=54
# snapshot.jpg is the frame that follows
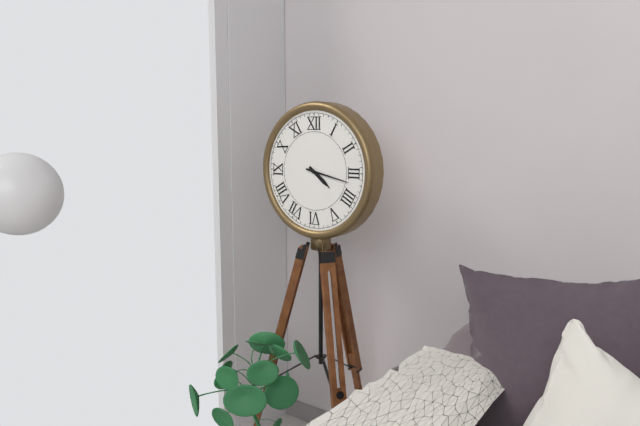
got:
h=4 m=17
